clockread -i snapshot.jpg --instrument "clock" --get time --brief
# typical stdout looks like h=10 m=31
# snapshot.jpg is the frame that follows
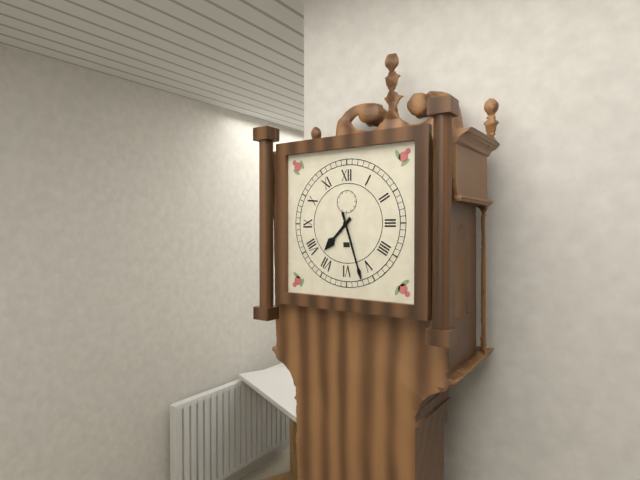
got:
h=7 m=27
